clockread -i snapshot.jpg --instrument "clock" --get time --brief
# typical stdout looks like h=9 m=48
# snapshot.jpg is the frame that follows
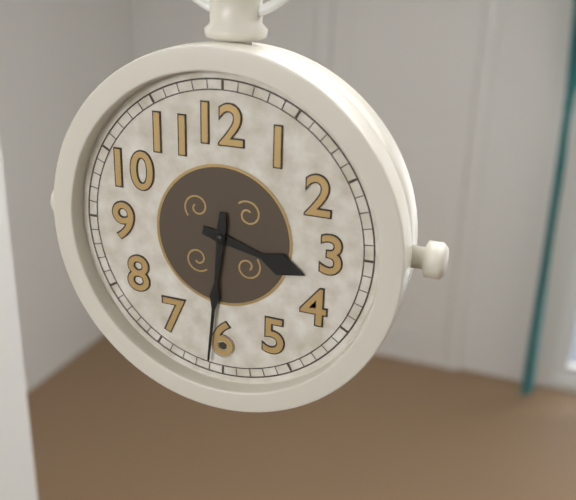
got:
h=3 m=31
